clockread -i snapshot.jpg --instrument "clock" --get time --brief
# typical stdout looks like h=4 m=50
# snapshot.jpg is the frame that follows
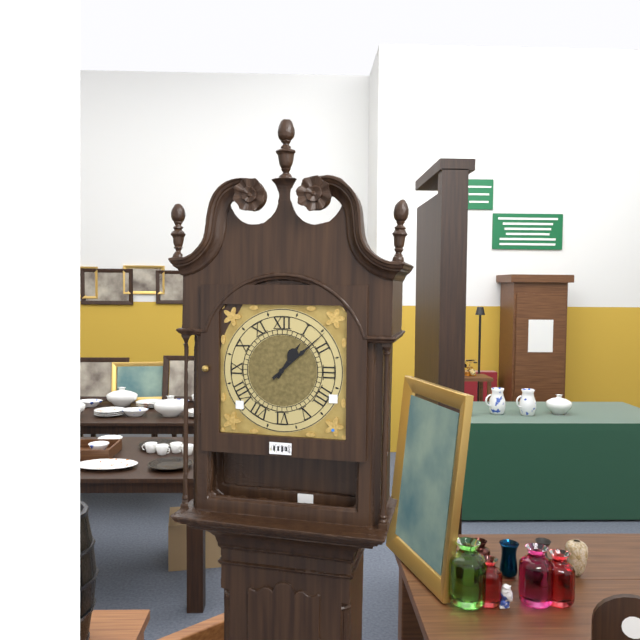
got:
h=1 m=8
